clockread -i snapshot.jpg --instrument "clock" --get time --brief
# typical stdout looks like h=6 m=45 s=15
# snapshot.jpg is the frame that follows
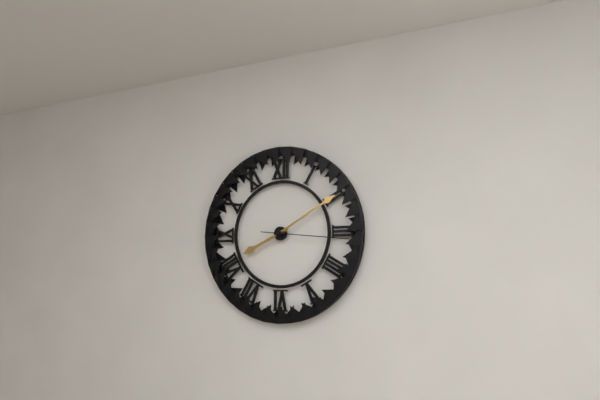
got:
h=8 m=10 s=16
